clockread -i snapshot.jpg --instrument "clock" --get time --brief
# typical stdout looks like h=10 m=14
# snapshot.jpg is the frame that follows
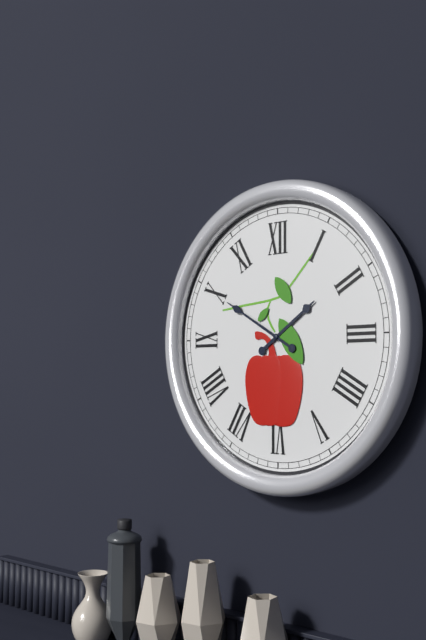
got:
h=1 m=50
